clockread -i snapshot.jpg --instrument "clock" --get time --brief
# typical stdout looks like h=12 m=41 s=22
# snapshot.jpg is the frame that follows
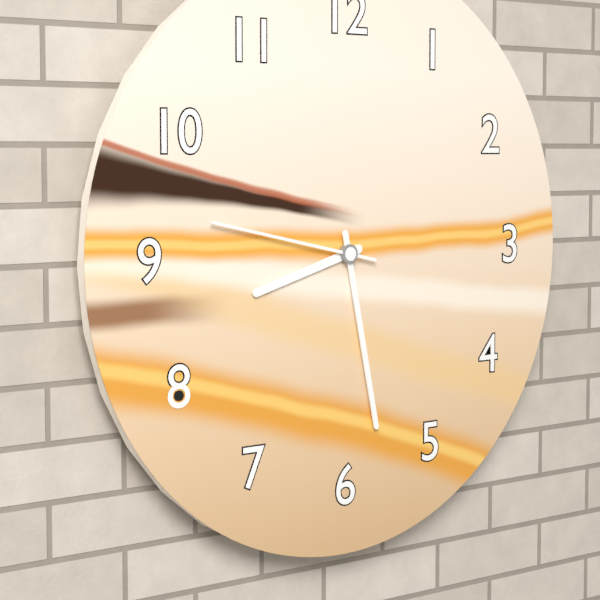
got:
h=8 m=28 s=47
